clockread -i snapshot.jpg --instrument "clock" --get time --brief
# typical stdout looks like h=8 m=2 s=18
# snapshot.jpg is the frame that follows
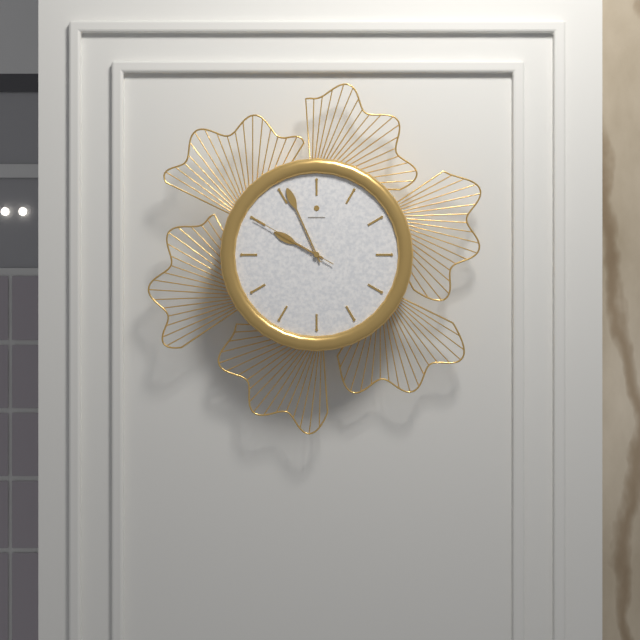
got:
h=9 m=56 s=50
